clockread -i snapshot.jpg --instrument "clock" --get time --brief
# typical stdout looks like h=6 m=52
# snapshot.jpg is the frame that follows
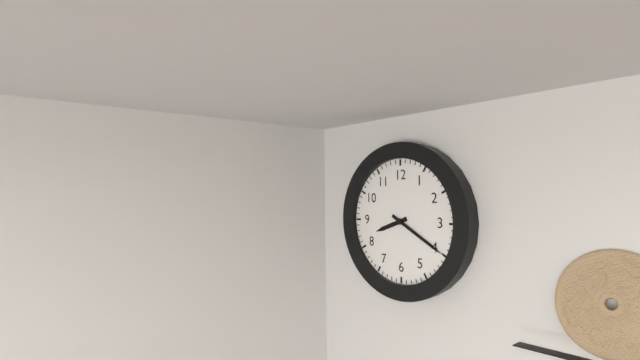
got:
h=8 m=20
